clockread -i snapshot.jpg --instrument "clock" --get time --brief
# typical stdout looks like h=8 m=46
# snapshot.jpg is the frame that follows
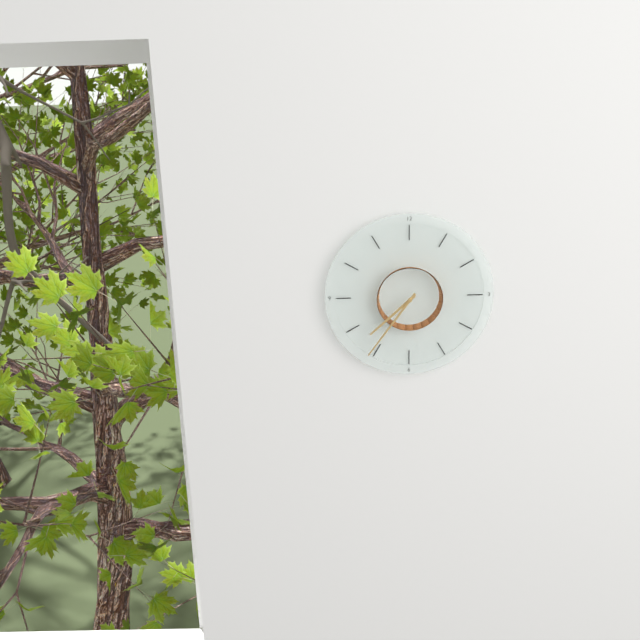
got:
h=7 m=36
